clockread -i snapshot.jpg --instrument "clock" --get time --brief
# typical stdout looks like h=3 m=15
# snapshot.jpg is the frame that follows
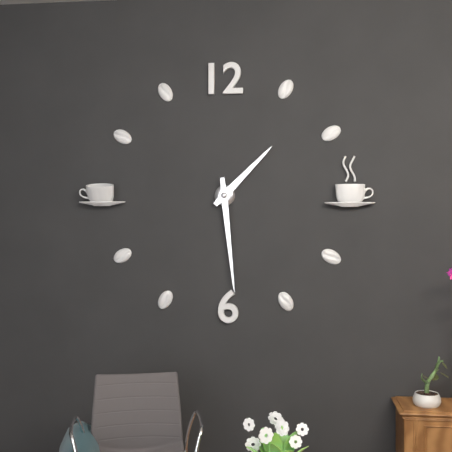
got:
h=1 m=29
